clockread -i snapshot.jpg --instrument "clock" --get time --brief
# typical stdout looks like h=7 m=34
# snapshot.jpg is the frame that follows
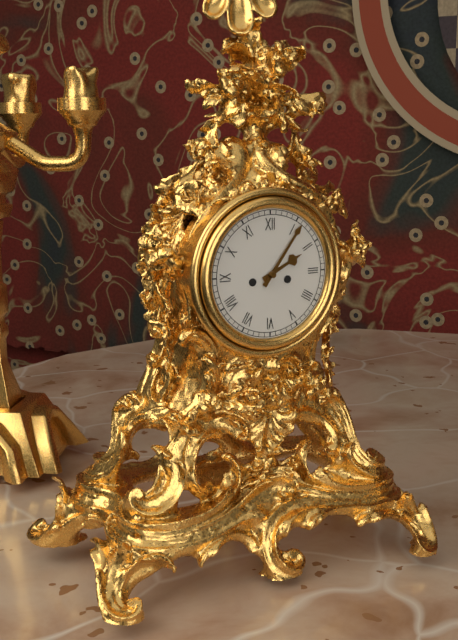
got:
h=2 m=6
